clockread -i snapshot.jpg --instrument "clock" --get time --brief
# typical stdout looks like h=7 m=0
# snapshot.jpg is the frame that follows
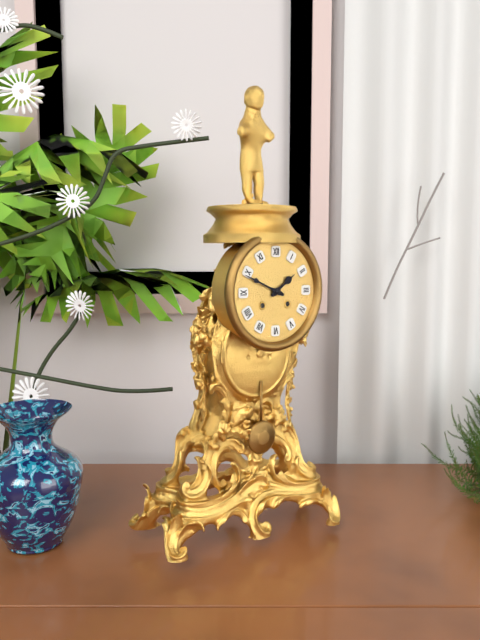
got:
h=1 m=49
